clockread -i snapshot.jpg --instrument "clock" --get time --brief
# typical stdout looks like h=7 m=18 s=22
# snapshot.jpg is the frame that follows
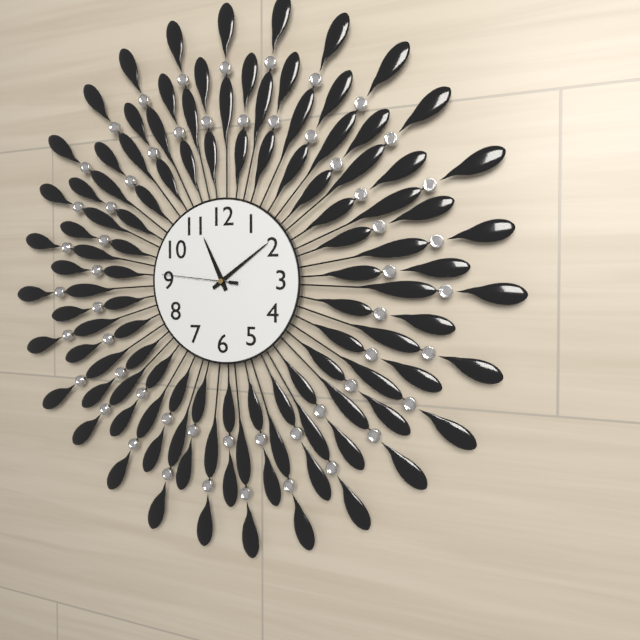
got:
h=11 m=9 s=46
